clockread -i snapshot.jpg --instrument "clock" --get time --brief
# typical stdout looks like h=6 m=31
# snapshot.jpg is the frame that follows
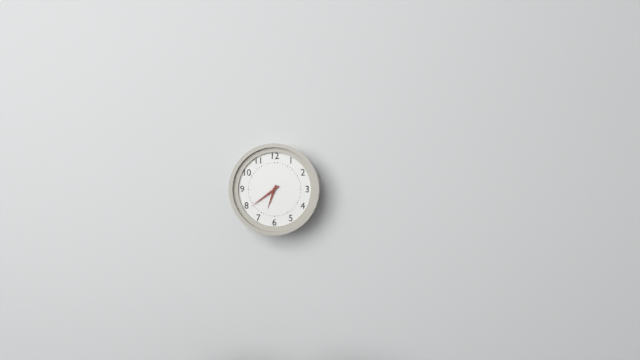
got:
h=6 m=39
